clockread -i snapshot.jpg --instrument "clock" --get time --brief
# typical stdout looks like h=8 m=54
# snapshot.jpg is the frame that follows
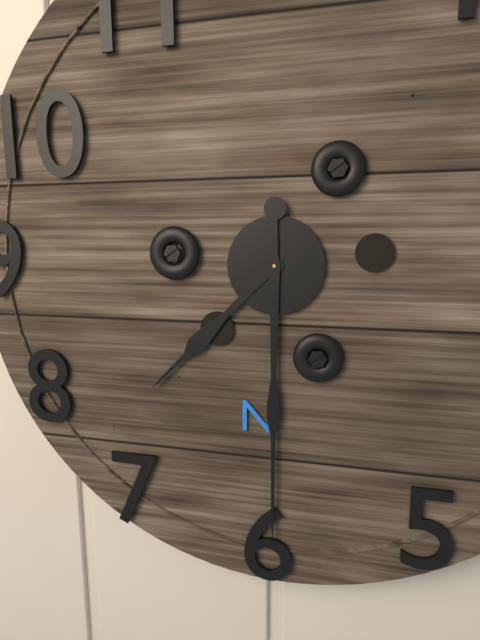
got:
h=7 m=30
